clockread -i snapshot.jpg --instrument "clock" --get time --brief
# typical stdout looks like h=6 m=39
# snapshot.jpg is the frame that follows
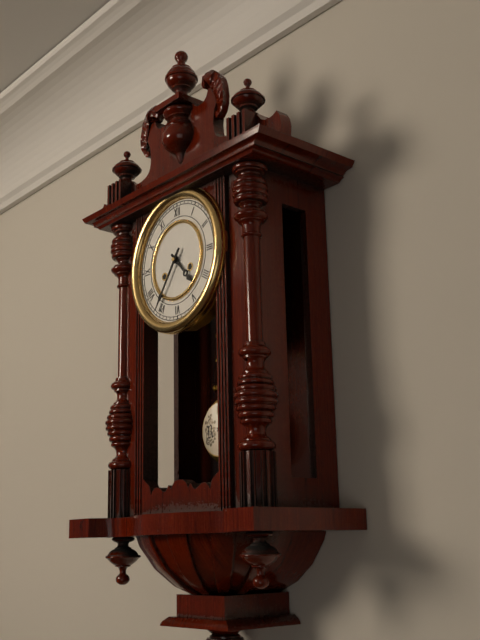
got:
h=4 m=36
